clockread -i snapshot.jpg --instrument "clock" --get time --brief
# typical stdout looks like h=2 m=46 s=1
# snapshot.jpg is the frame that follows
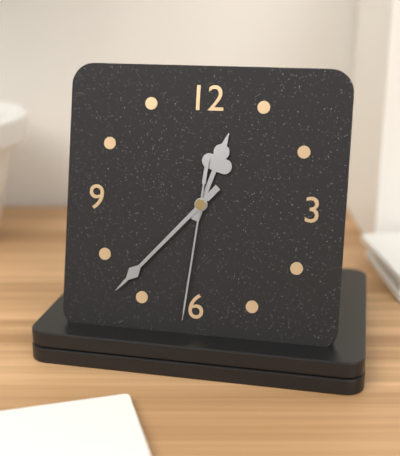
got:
h=12 m=37 s=31
